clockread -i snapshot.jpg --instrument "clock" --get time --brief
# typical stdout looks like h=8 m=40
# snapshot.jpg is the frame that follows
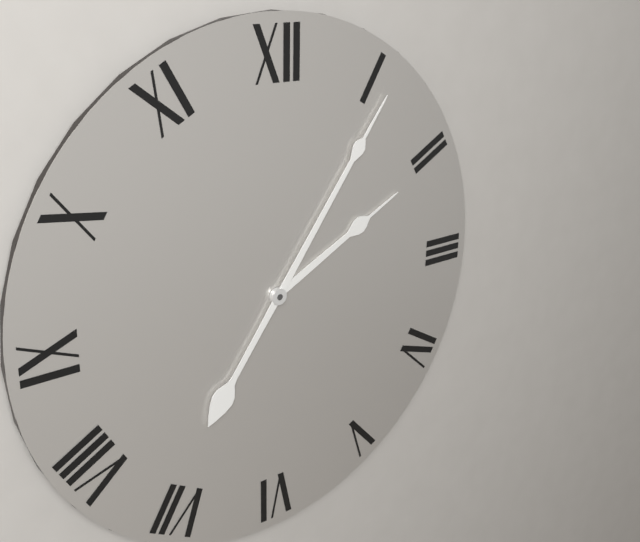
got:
h=2 m=6
